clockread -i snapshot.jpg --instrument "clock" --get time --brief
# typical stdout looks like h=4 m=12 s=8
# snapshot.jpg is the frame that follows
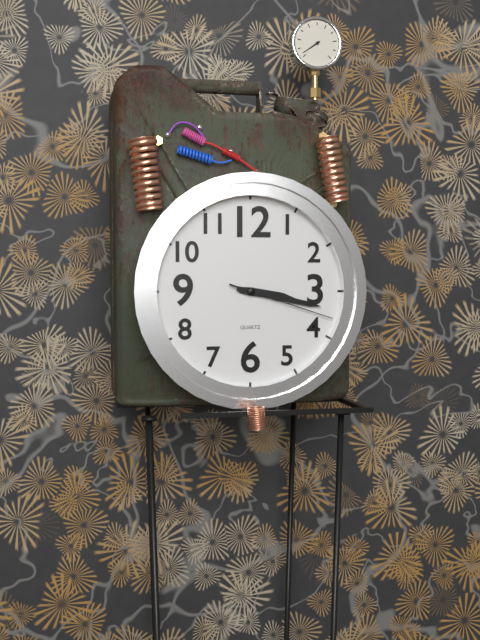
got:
h=3 m=17 s=18
